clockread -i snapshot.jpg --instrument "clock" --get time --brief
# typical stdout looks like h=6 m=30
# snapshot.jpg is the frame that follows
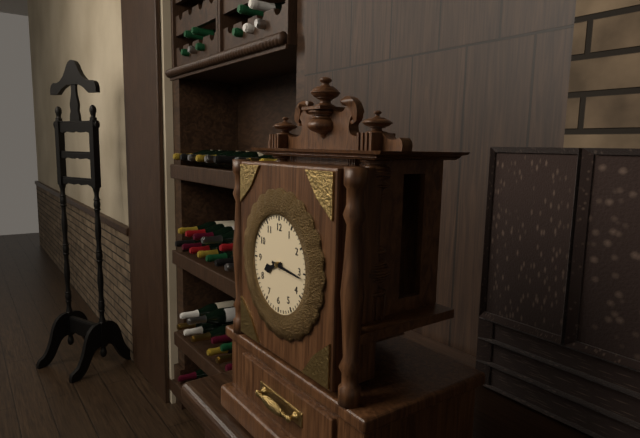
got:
h=8 m=16
